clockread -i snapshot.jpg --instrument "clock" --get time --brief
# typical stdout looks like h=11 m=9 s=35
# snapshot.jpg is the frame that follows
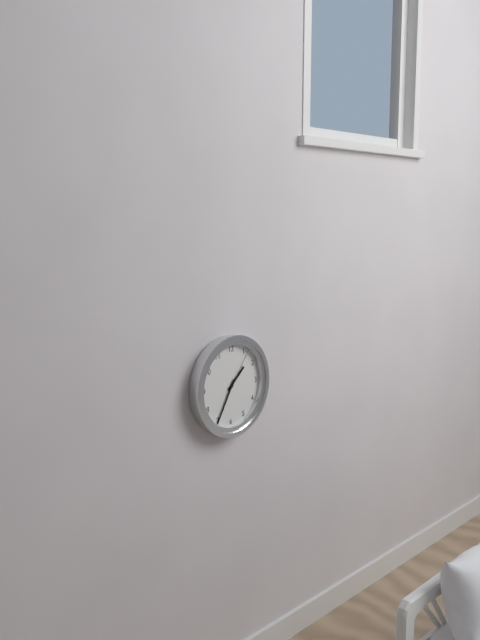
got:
h=1 m=35 s=6
